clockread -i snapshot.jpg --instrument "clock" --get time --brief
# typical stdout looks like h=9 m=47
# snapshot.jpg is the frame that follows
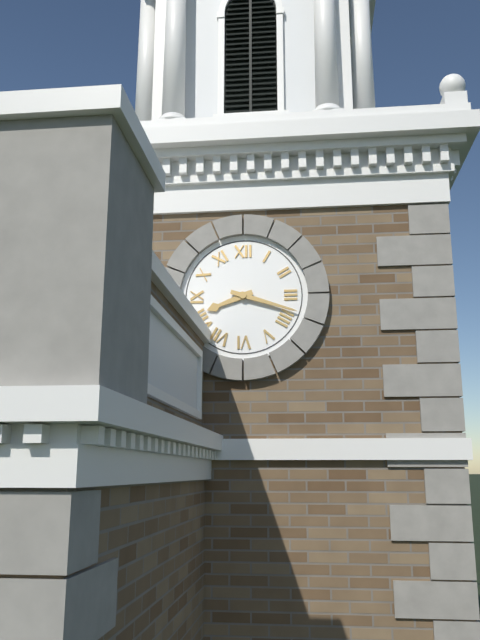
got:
h=8 m=18
